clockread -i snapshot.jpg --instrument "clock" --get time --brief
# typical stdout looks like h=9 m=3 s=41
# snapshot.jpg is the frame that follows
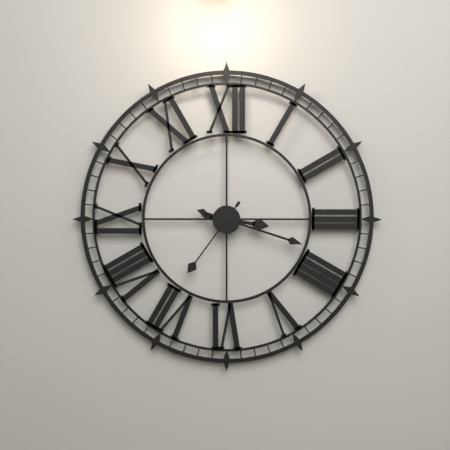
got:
h=3 m=18 s=36
